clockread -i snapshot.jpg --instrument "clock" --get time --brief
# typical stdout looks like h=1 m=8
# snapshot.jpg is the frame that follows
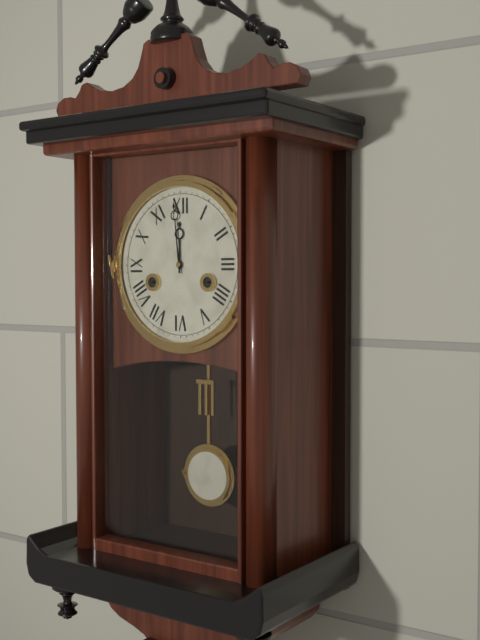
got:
h=11 m=59
